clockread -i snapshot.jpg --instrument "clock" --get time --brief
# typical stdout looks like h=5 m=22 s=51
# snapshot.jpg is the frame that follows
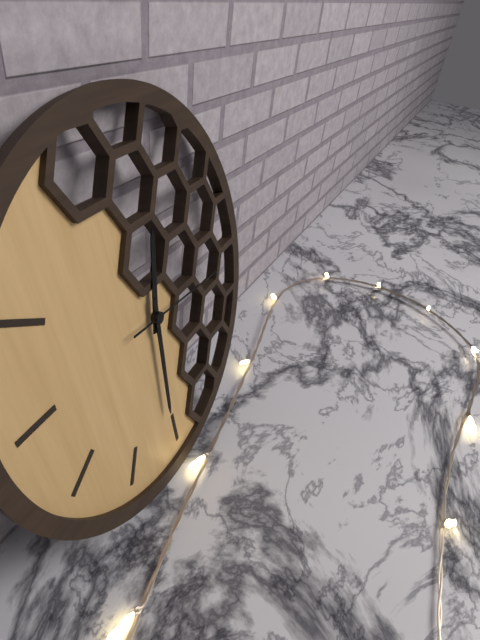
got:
h=12 m=31 s=16
